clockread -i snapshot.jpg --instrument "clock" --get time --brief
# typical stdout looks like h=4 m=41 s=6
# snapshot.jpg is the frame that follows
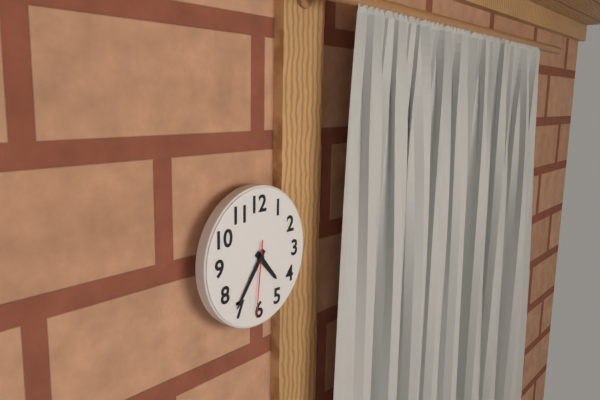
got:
h=4 m=36 s=31
